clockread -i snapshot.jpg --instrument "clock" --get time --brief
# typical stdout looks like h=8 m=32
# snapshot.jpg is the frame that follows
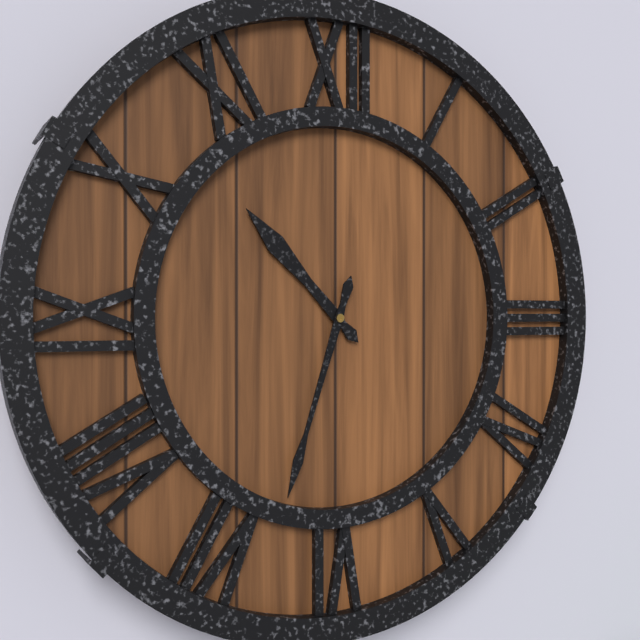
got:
h=10 m=33
